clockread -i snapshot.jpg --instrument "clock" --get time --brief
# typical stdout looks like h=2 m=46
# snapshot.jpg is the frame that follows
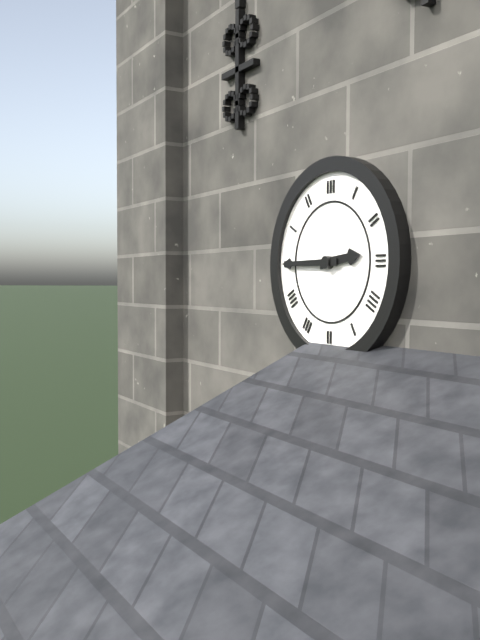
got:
h=2 m=45
